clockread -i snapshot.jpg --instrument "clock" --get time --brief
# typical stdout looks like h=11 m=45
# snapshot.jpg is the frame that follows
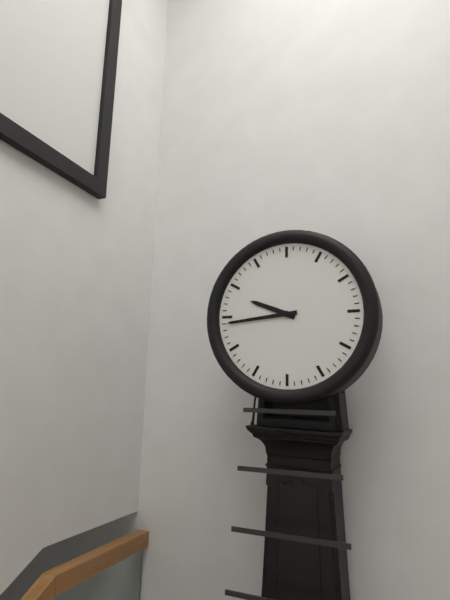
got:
h=9 m=44
